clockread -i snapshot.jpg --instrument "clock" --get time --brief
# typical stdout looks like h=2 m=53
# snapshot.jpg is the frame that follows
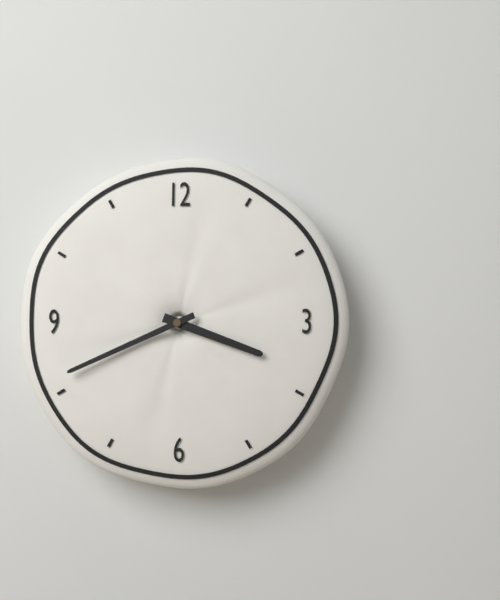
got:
h=3 m=41
